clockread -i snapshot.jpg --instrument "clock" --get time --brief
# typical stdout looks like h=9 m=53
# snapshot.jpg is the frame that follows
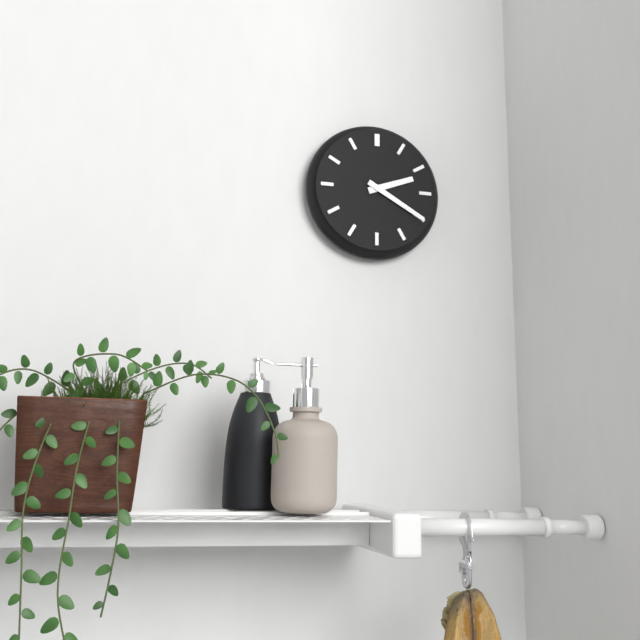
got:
h=2 m=20
